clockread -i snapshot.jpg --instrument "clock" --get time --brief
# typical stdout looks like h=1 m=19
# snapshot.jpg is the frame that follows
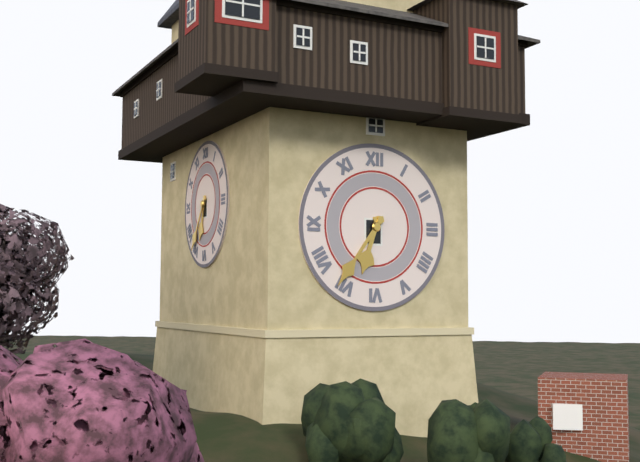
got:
h=6 m=36
